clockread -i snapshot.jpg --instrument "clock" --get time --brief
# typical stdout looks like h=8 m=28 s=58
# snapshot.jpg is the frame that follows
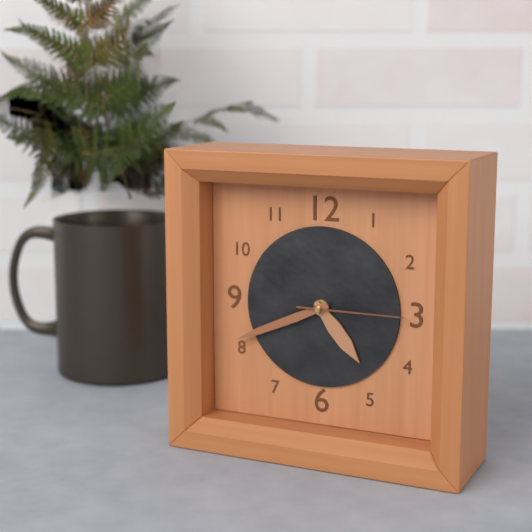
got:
h=4 m=41 s=15
